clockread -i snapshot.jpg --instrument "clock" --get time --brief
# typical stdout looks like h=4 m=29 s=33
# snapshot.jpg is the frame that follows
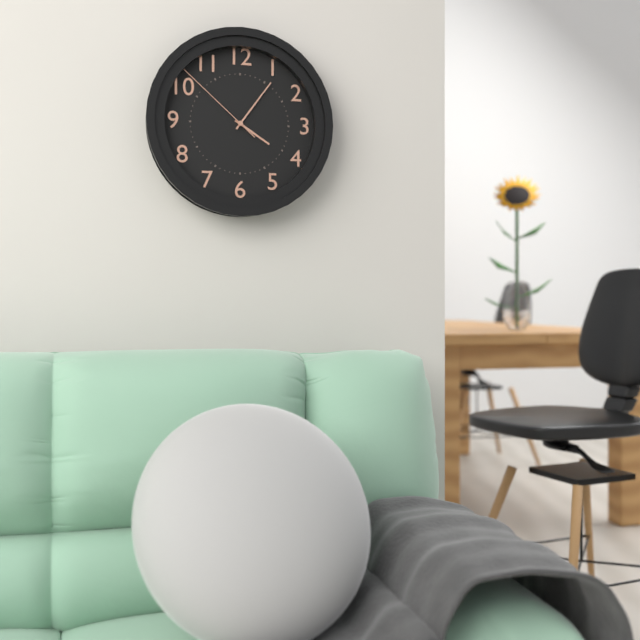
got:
h=4 m=6 s=52
